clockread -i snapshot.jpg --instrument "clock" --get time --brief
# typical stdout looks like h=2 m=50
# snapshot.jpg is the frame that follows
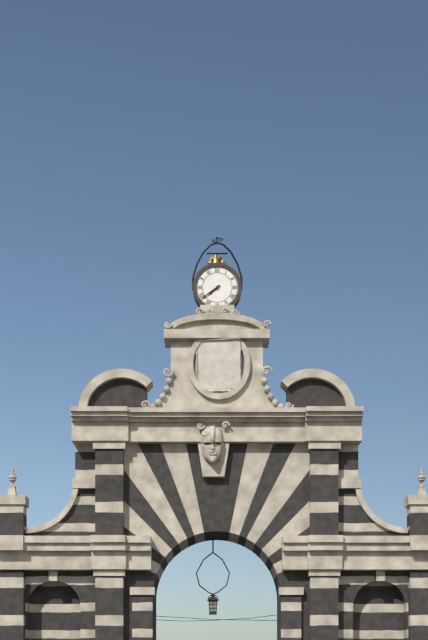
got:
h=7 m=39
